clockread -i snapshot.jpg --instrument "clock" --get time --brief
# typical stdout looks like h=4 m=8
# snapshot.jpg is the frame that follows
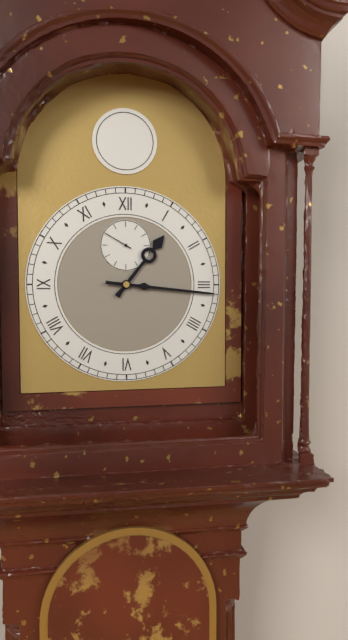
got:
h=1 m=16
